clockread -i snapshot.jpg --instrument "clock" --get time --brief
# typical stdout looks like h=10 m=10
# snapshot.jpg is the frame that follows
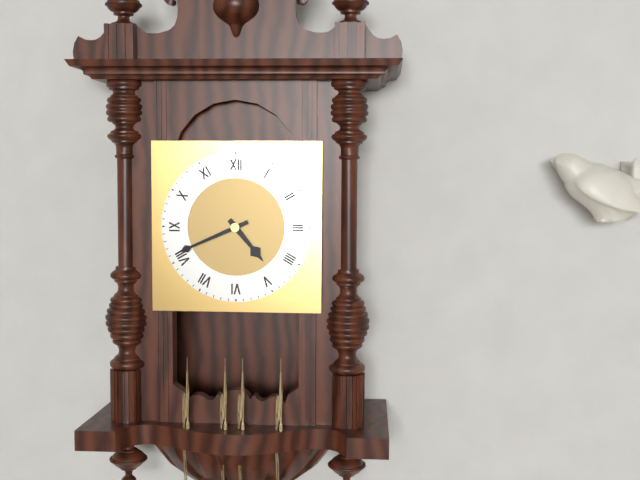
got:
h=4 m=41
